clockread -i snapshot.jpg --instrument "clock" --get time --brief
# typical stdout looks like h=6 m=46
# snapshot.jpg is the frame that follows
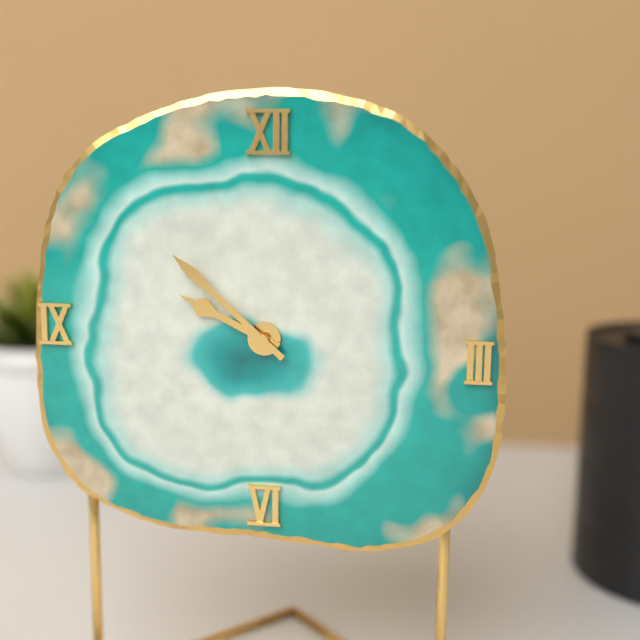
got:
h=9 m=52
